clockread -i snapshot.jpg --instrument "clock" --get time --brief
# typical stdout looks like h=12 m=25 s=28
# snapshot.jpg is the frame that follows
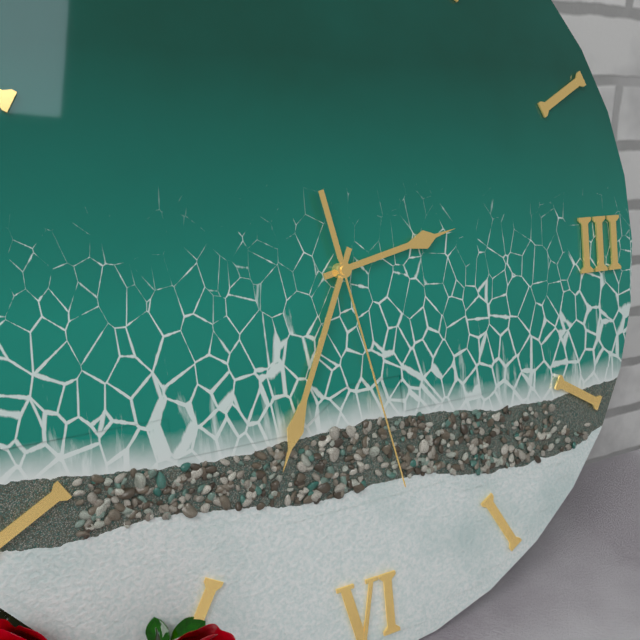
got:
h=2 m=34 s=28
